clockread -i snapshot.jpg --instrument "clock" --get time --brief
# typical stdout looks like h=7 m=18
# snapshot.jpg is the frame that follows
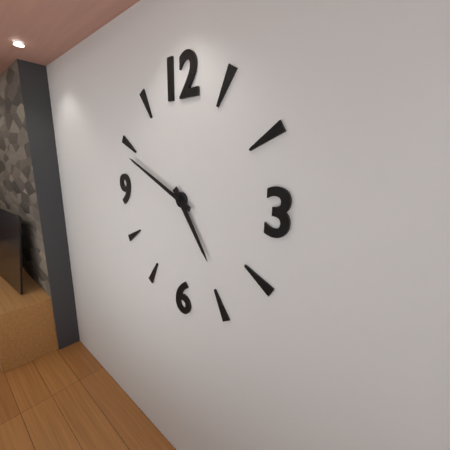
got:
h=4 m=49
